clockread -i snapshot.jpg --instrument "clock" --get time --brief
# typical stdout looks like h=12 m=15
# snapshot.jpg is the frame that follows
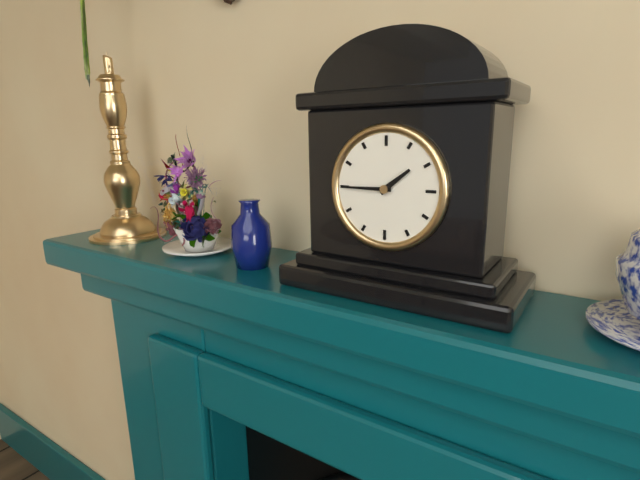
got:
h=1 m=45
